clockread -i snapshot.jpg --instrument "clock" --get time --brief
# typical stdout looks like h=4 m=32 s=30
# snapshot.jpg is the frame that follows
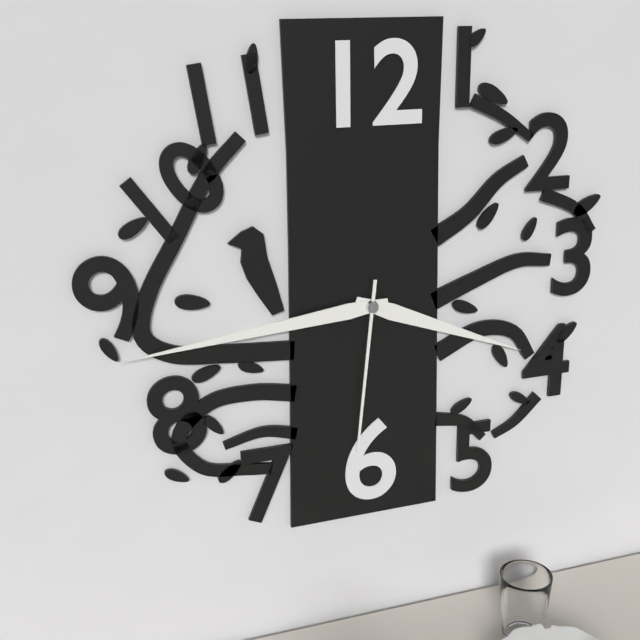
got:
h=3 m=44 s=31
